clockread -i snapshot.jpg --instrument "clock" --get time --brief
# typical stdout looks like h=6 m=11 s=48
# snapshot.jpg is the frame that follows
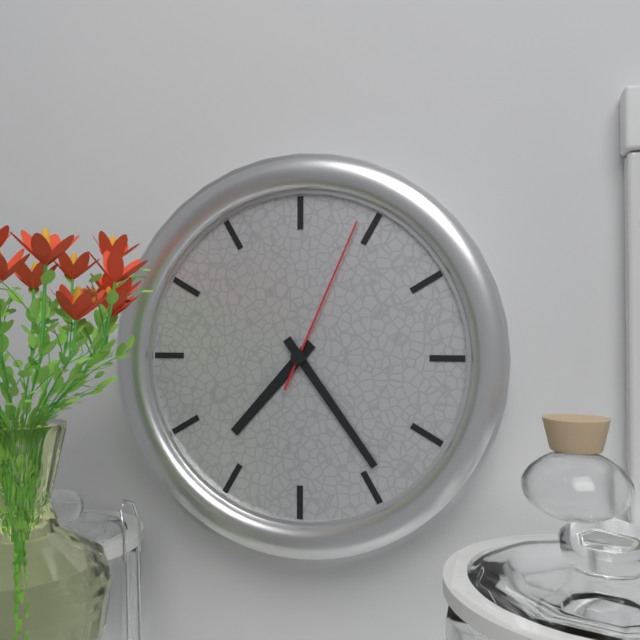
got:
h=7 m=24 s=4
